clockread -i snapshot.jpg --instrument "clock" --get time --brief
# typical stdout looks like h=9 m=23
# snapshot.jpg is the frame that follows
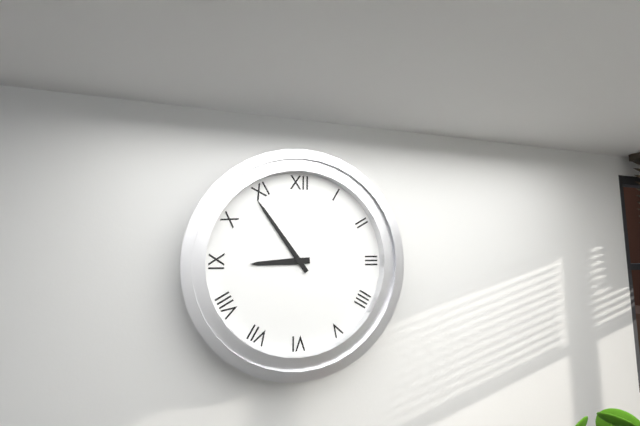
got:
h=8 m=54
